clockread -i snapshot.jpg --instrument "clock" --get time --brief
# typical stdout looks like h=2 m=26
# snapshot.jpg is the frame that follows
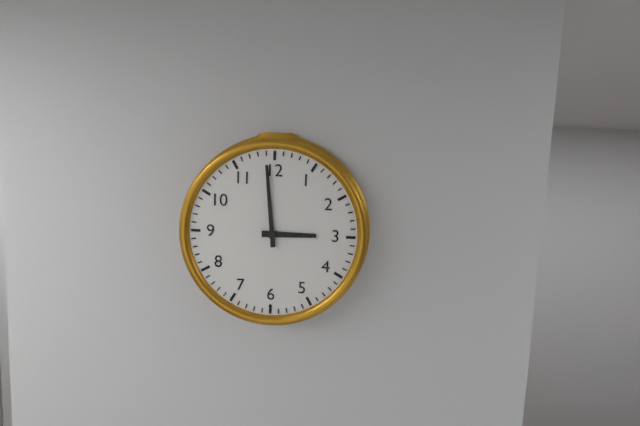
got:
h=2 m=59
